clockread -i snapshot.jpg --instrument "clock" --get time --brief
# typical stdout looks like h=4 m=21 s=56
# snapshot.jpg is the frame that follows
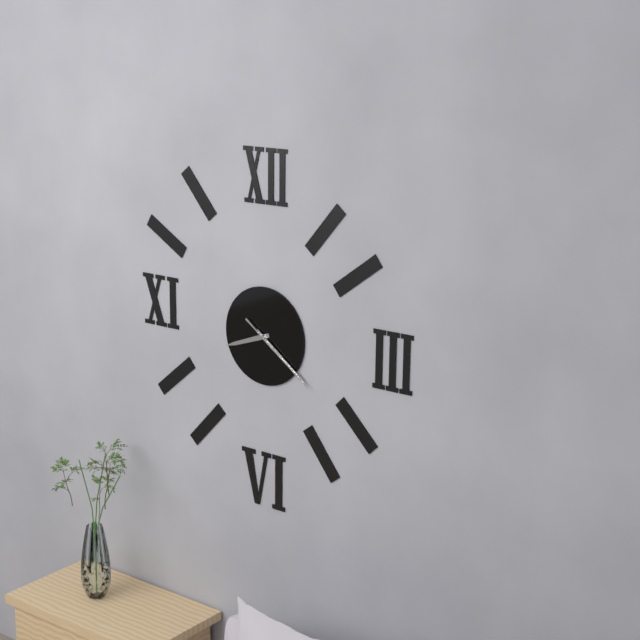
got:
h=8 m=21 s=21
